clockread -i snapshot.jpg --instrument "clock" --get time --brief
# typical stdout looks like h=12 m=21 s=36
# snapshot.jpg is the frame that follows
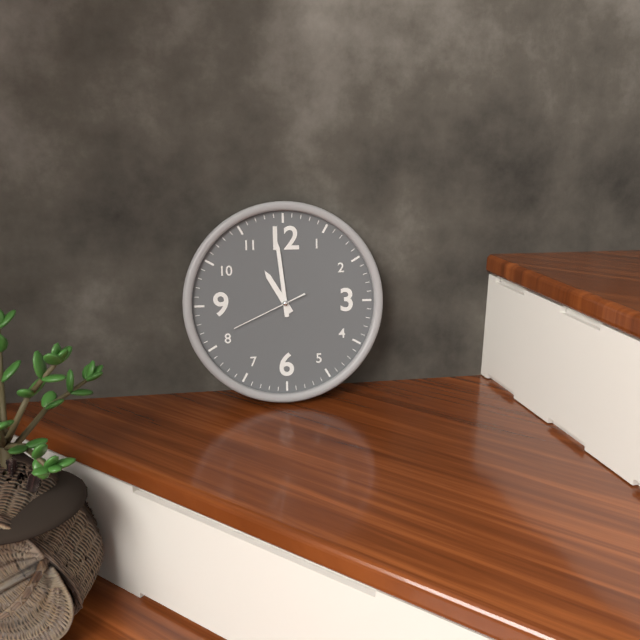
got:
h=10 m=59 s=41
